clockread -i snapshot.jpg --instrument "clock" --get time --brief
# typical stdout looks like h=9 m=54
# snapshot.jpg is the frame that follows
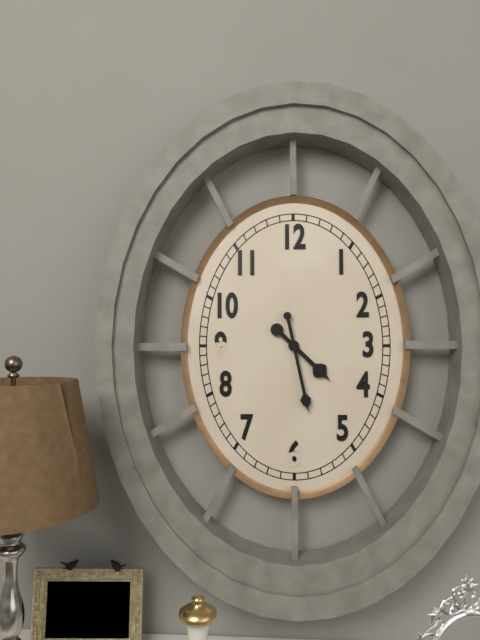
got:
h=4 m=28
